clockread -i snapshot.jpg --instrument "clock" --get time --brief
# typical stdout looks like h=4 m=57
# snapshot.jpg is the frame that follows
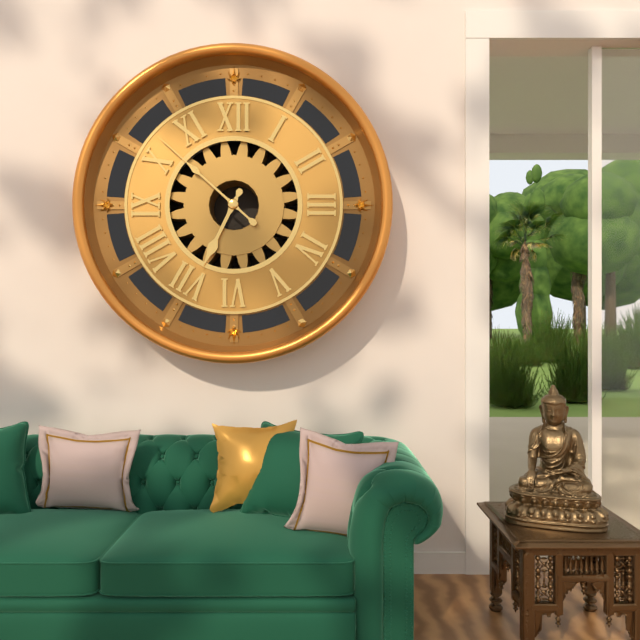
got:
h=6 m=52
